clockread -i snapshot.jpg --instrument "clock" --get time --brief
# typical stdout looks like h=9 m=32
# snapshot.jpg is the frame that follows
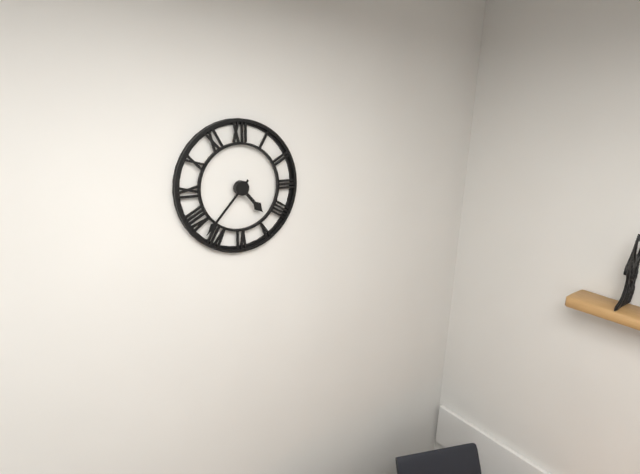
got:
h=4 m=37
